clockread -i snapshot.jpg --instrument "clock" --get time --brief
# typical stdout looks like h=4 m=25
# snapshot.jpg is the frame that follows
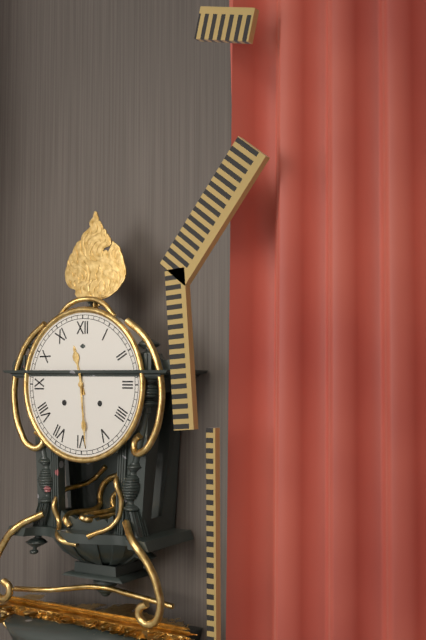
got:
h=11 m=29
